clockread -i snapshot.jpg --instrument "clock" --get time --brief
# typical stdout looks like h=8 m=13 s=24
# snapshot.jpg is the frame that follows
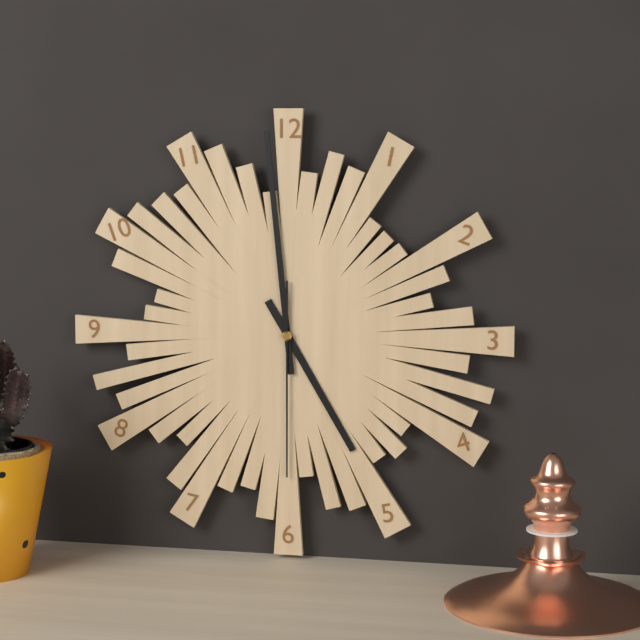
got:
h=4 m=59 s=30
